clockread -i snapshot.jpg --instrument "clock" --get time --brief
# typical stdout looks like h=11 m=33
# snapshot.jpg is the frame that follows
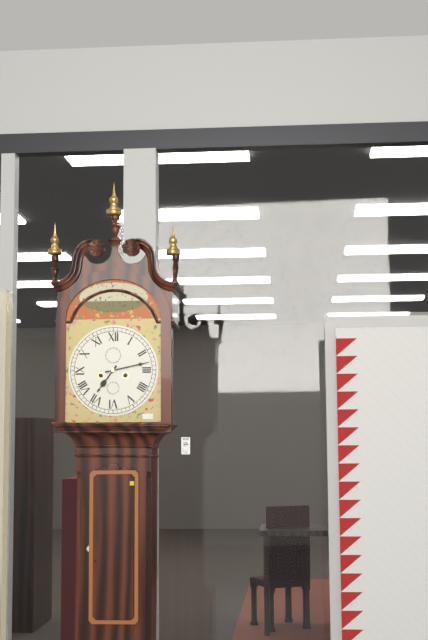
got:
h=7 m=13
